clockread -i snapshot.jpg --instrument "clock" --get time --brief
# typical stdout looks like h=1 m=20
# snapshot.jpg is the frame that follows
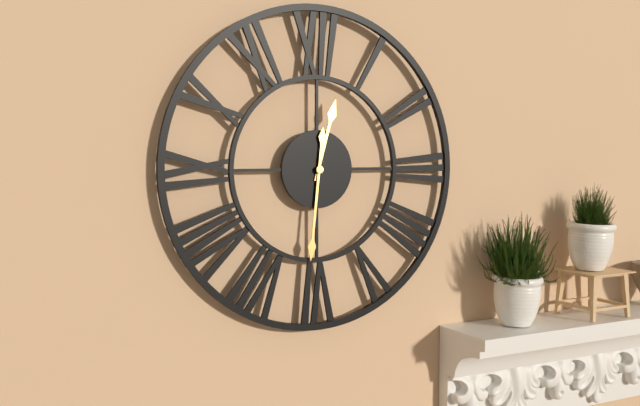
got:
h=12 m=31
